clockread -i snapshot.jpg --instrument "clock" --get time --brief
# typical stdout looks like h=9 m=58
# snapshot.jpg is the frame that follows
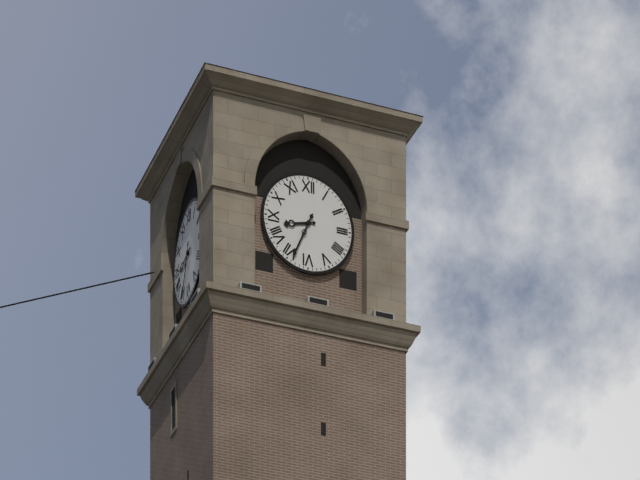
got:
h=8 m=34
